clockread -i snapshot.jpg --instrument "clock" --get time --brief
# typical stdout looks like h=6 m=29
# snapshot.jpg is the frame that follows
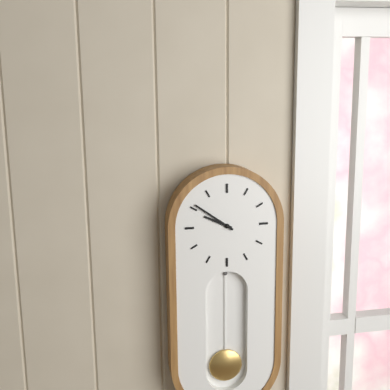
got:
h=9 m=51
